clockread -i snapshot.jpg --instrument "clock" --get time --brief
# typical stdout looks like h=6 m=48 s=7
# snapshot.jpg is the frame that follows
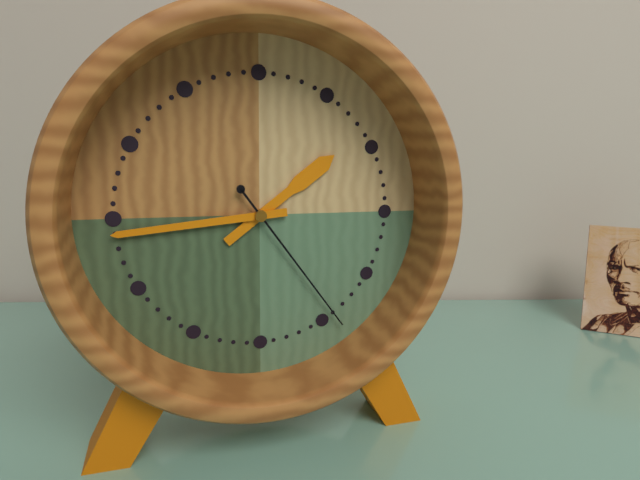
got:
h=1 m=44 s=24
